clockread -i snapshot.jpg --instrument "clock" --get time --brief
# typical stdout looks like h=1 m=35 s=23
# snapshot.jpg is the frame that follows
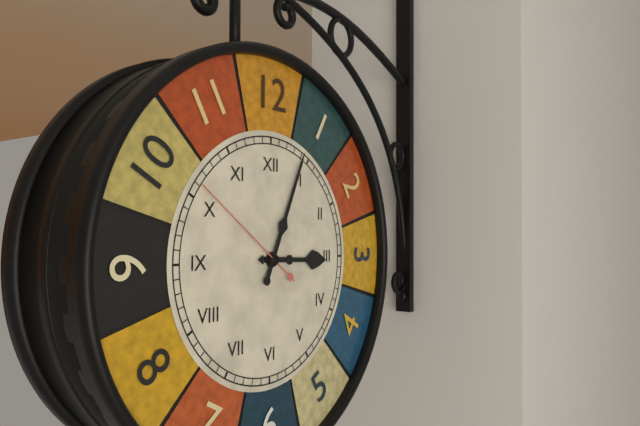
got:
h=3 m=4 s=51
